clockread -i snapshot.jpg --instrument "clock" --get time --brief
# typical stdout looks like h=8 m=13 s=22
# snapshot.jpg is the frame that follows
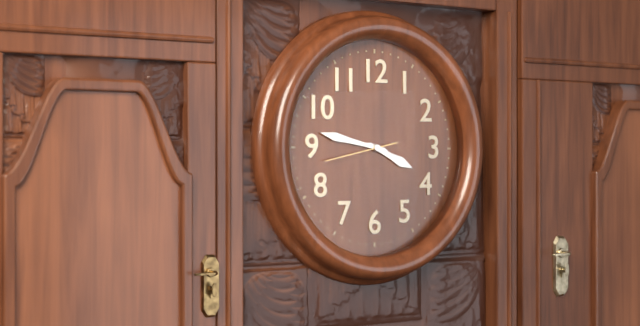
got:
h=3 m=47 s=43
